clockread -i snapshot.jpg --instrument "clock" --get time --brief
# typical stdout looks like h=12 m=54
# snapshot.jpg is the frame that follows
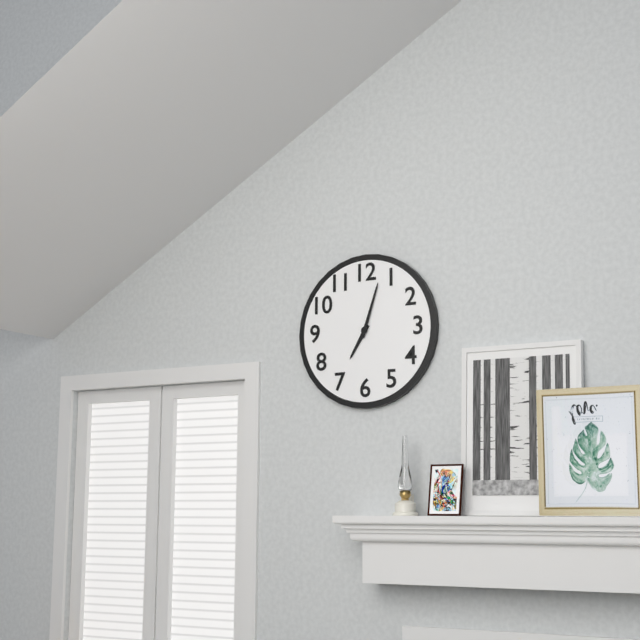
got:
h=7 m=3
